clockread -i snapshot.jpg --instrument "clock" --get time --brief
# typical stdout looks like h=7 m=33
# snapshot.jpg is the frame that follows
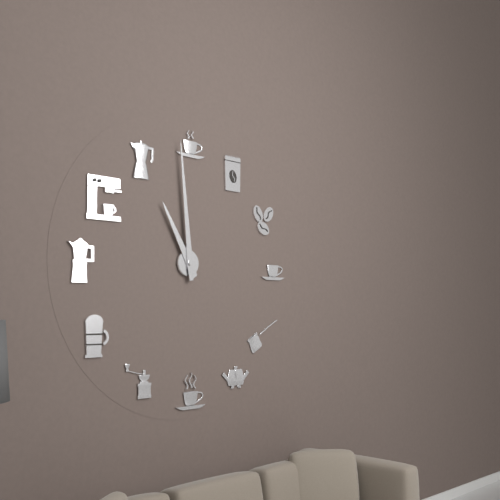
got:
h=10 m=59
